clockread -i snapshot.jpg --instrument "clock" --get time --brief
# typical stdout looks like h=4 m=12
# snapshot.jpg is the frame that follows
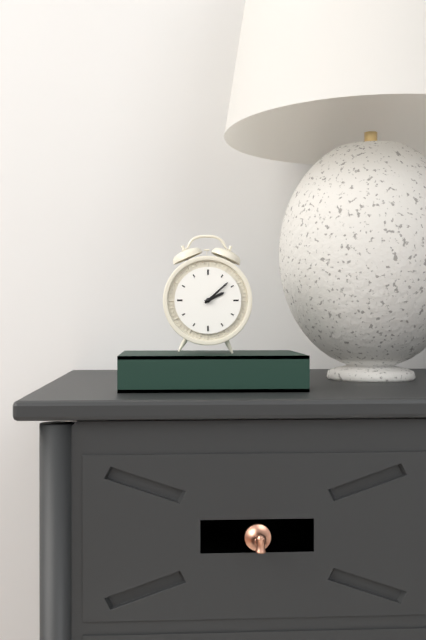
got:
h=2 m=8
